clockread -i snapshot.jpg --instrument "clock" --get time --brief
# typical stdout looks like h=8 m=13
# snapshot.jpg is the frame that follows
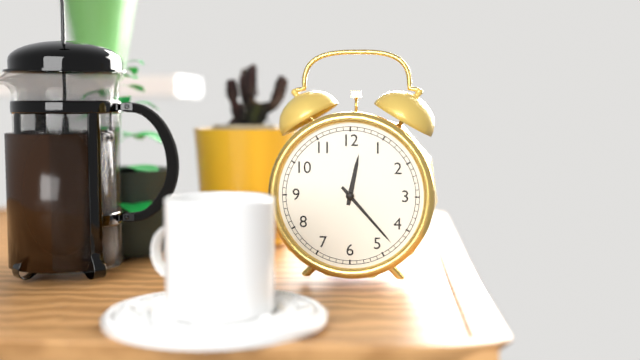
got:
h=12 m=23
